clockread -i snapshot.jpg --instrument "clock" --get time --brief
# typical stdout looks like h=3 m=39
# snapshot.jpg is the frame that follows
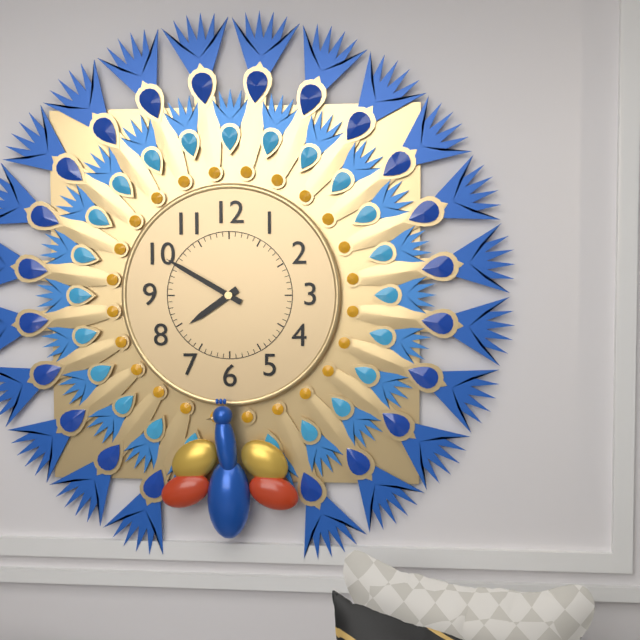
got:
h=7 m=50
